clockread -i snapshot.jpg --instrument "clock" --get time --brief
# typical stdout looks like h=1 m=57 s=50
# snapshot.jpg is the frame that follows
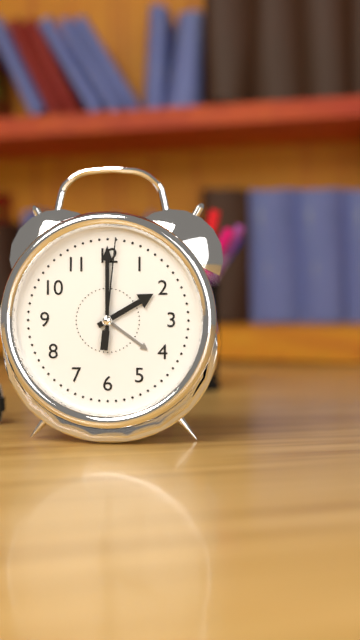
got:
h=2 m=0 s=1
